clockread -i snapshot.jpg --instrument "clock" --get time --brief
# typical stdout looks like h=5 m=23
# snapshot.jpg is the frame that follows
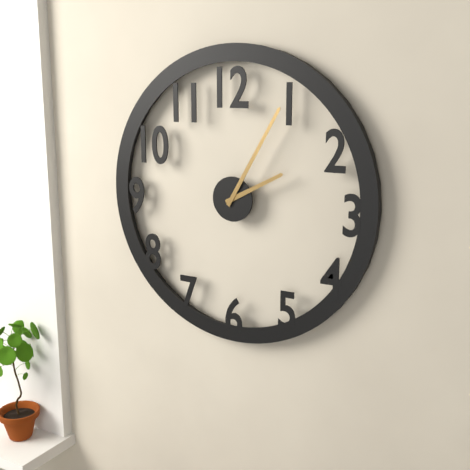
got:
h=2 m=5
